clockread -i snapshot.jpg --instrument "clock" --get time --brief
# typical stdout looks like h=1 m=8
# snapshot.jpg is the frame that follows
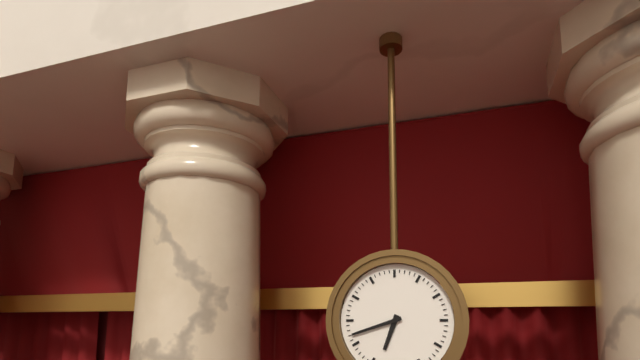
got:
h=6 m=42
